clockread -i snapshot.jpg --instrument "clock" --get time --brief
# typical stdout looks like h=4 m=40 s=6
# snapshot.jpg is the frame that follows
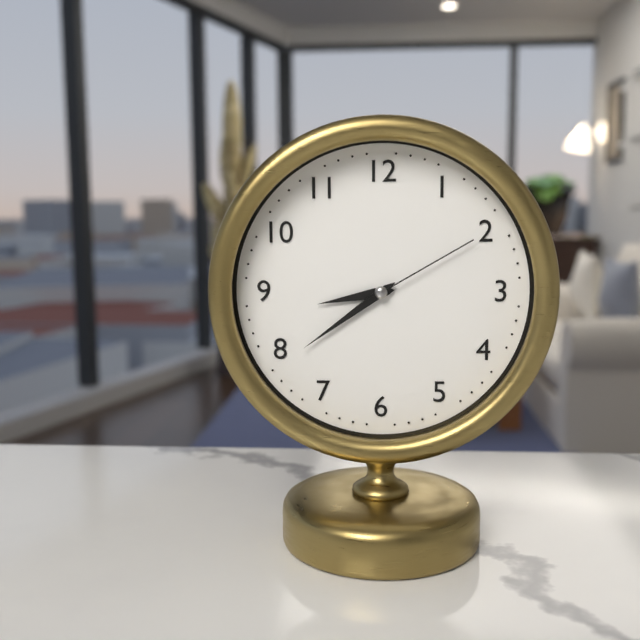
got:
h=8 m=39 s=10
